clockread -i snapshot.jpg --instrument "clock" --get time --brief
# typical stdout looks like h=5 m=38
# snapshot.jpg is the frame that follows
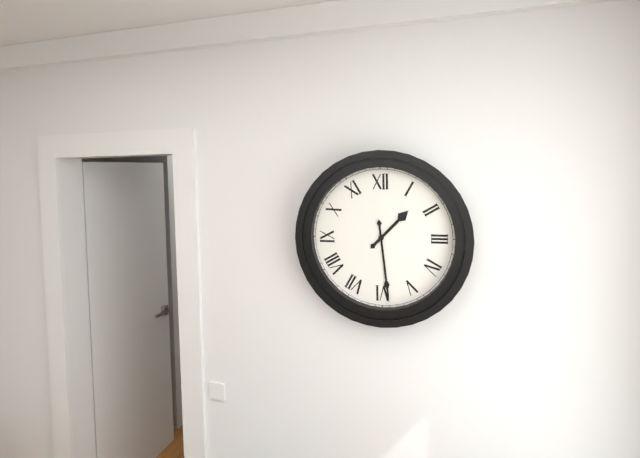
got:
h=1 m=29
